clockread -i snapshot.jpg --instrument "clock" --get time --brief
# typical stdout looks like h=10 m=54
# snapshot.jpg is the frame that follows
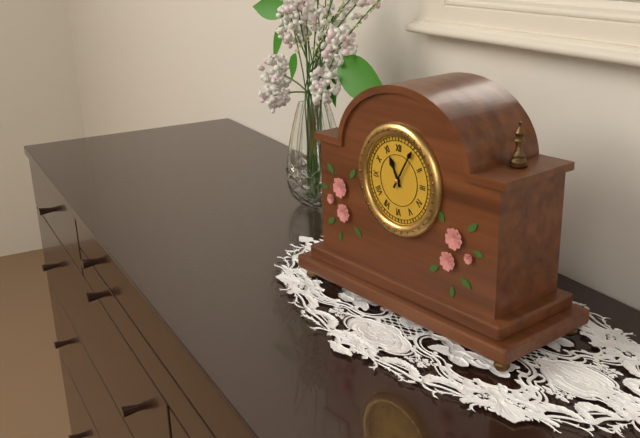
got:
h=11 m=5
